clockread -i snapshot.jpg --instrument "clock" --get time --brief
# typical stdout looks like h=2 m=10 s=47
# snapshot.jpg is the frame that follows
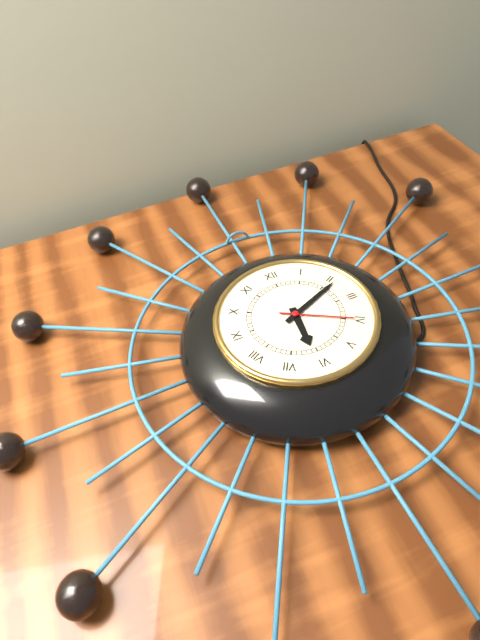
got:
h=6 m=11 s=20
